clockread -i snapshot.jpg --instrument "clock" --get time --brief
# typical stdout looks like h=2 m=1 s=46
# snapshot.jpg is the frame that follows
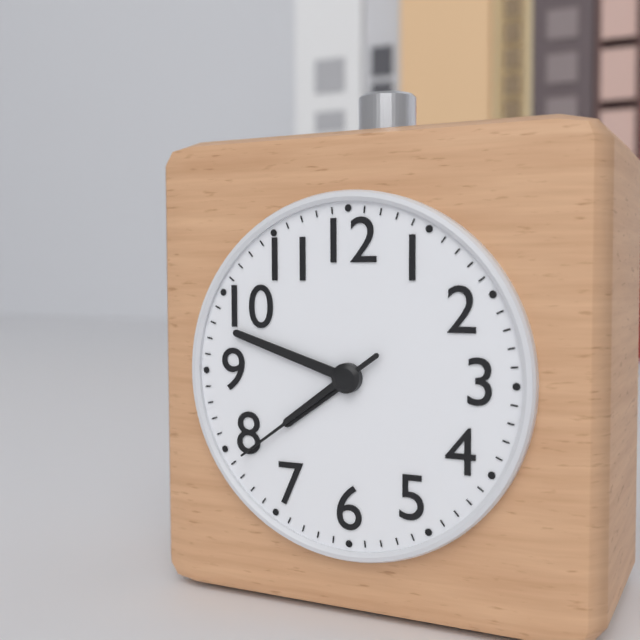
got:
h=7 m=48 s=39
